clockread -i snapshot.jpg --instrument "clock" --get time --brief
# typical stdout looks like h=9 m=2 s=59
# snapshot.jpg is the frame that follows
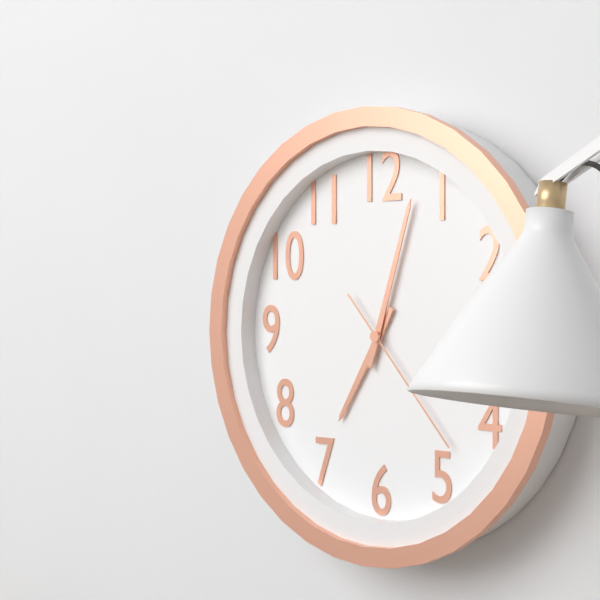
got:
h=7 m=3 s=23
